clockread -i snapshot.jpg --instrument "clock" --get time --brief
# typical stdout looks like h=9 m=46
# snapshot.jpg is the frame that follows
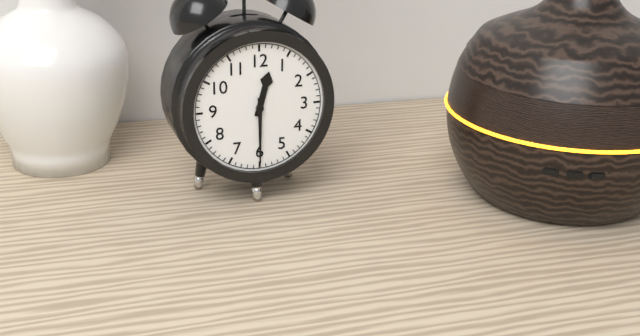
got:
h=12 m=30
